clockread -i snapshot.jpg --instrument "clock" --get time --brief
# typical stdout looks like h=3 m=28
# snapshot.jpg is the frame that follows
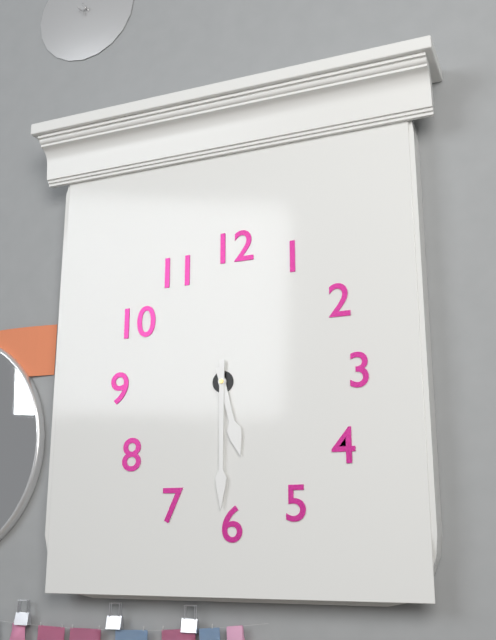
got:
h=5 m=30
